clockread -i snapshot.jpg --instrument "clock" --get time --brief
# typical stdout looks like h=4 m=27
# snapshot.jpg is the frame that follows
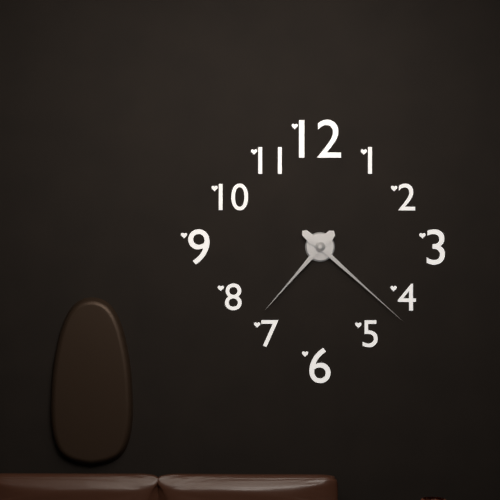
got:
h=7 m=22
